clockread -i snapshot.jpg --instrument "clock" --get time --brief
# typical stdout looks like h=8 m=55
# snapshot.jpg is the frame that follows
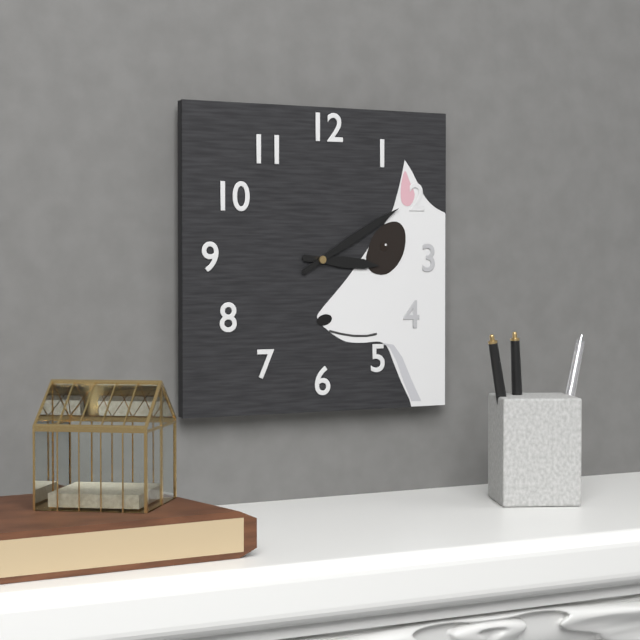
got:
h=3 m=10
